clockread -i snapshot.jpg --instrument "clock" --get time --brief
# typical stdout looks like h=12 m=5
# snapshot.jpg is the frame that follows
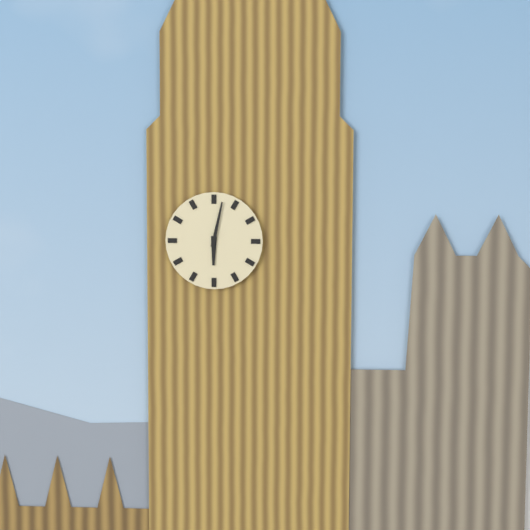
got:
h=6 m=2
